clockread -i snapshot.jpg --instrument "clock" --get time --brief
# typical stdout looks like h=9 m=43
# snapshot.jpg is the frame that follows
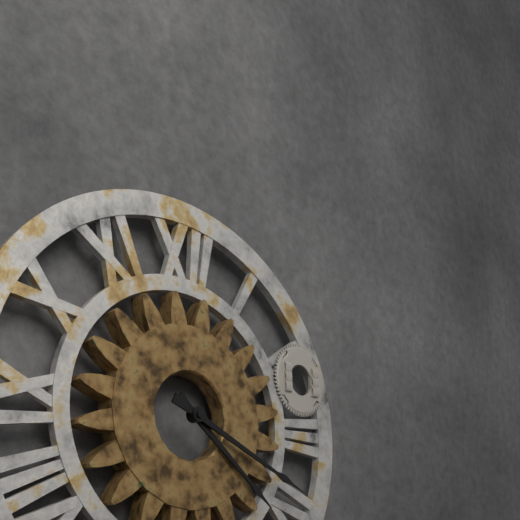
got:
h=4 m=19
